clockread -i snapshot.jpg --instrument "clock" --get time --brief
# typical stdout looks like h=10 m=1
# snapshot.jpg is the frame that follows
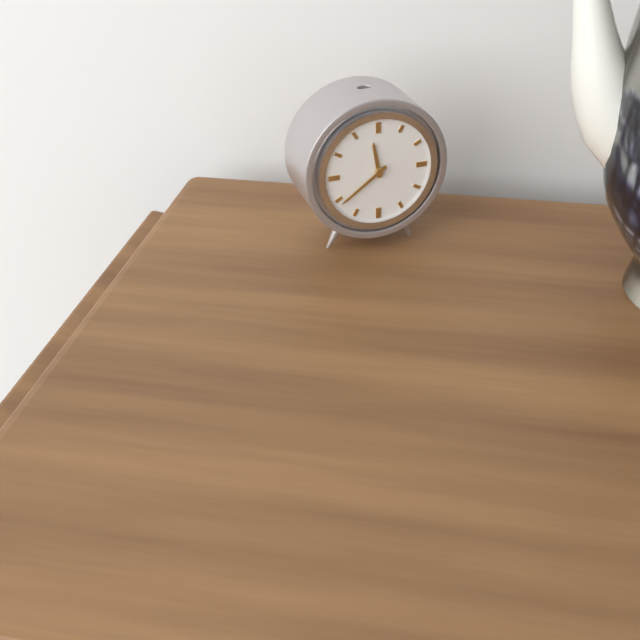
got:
h=11 m=39
